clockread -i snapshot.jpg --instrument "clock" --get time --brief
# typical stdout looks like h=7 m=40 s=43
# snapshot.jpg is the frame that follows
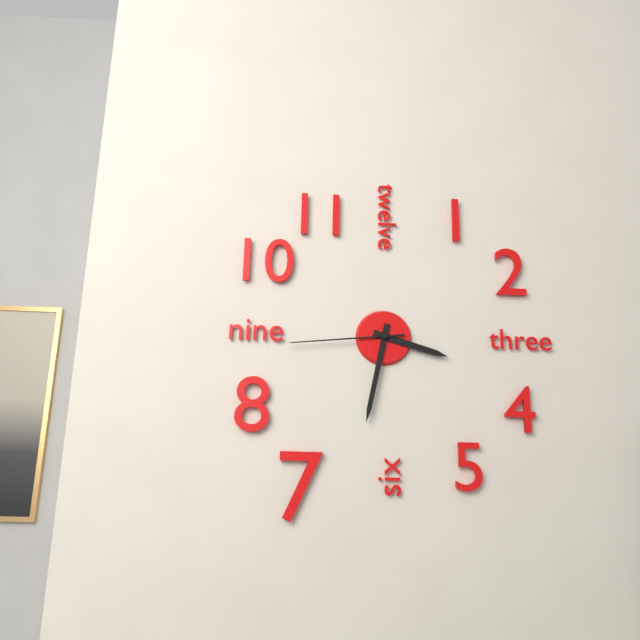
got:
h=3 m=32 s=44
